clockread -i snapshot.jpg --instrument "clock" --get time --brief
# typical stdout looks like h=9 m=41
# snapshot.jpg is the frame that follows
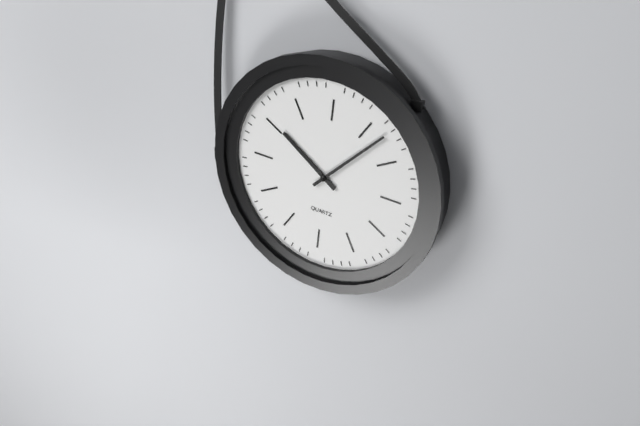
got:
h=10 m=7
